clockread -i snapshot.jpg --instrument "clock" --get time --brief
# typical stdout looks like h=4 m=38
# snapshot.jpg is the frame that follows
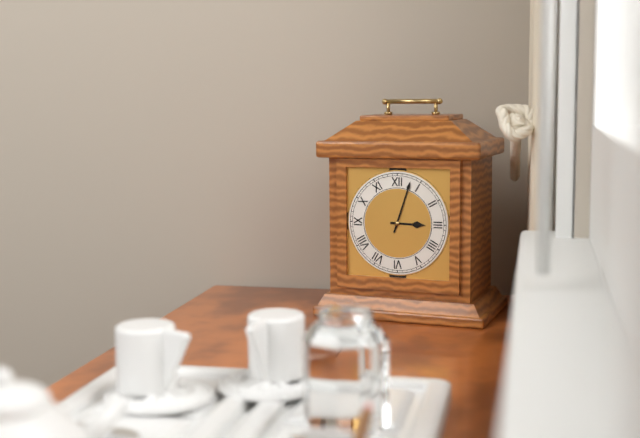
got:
h=3 m=3
